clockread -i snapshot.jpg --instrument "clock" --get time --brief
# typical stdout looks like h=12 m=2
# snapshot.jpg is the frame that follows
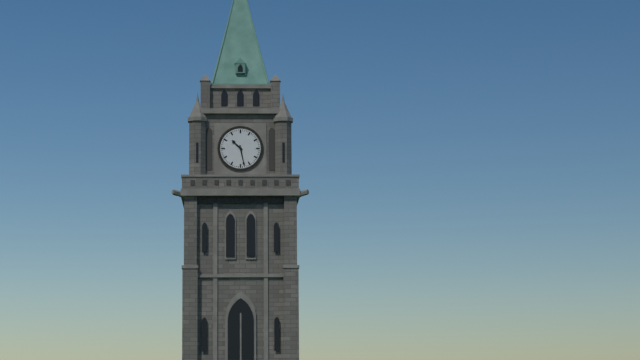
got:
h=10 m=28
